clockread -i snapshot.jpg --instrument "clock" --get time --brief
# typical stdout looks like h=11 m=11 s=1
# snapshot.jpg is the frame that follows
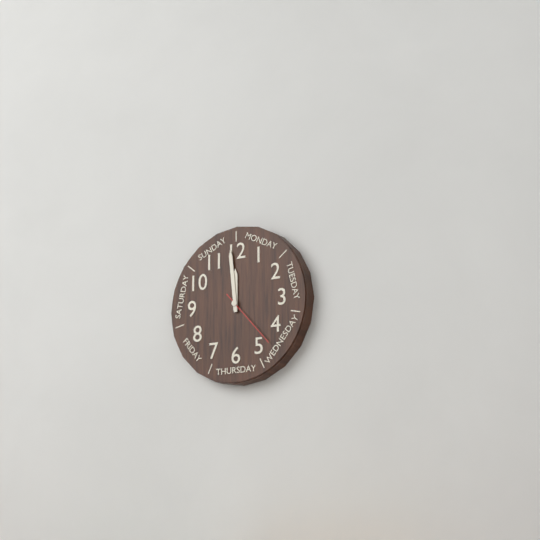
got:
h=11 m=59 s=23
